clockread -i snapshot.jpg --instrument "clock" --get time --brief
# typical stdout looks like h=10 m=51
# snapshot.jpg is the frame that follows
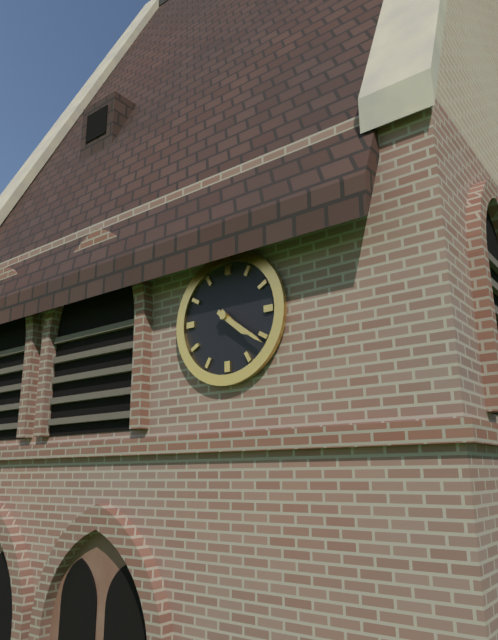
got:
h=4 m=21
